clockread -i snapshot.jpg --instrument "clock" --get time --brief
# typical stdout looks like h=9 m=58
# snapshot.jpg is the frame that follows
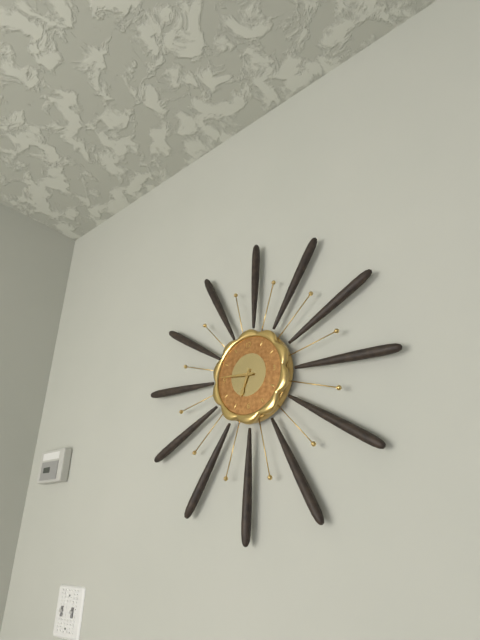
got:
h=6 m=46
